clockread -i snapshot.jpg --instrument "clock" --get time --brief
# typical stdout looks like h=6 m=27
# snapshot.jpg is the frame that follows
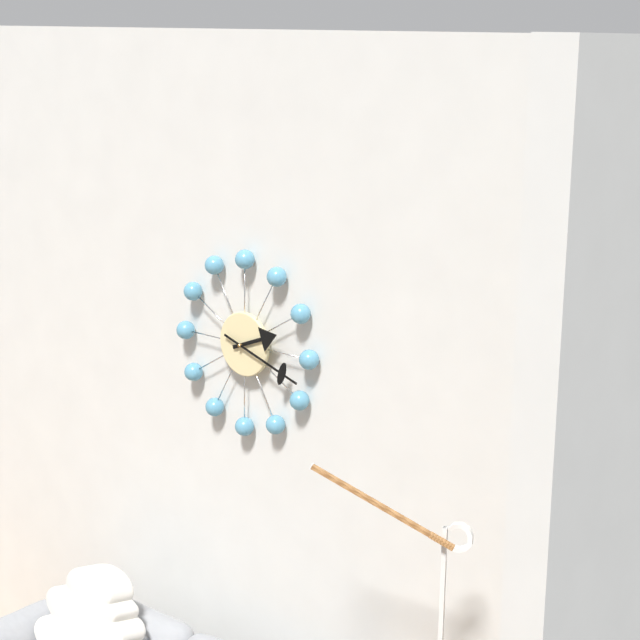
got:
h=2 m=18
